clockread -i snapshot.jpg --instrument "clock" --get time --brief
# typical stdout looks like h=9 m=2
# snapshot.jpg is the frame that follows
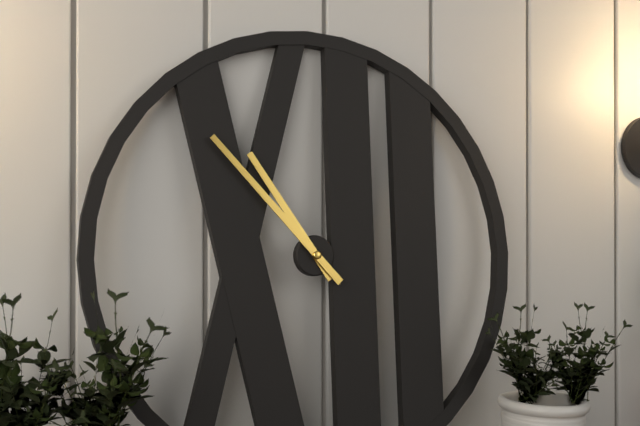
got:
h=10 m=53
